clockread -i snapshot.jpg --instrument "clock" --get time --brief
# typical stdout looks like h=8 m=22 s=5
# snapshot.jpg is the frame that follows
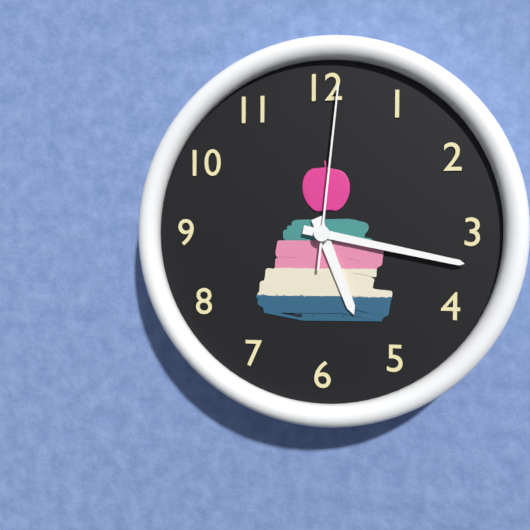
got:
h=5 m=17 s=1
